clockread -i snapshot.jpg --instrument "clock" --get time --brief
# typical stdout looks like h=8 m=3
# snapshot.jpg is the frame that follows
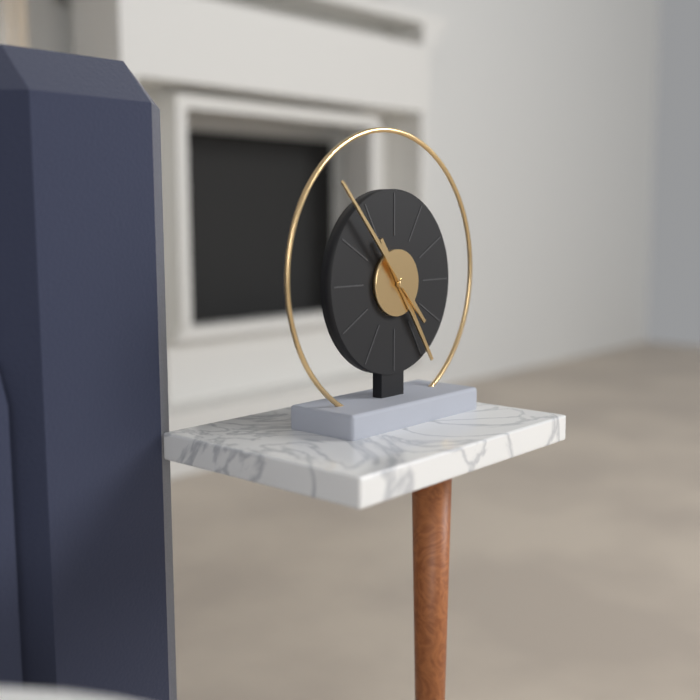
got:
h=4 m=53
